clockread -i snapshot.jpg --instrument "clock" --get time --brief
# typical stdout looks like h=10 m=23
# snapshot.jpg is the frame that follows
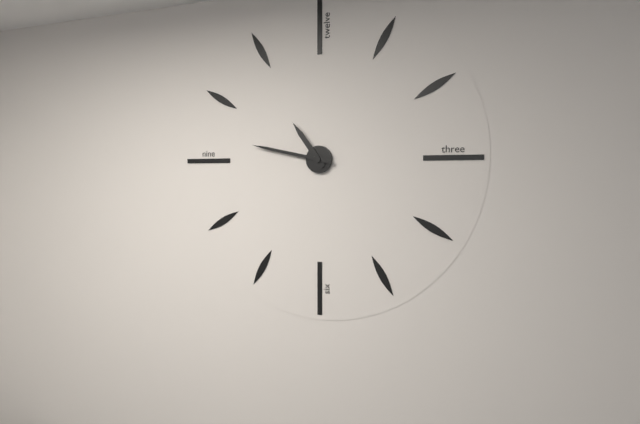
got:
h=10 m=47
